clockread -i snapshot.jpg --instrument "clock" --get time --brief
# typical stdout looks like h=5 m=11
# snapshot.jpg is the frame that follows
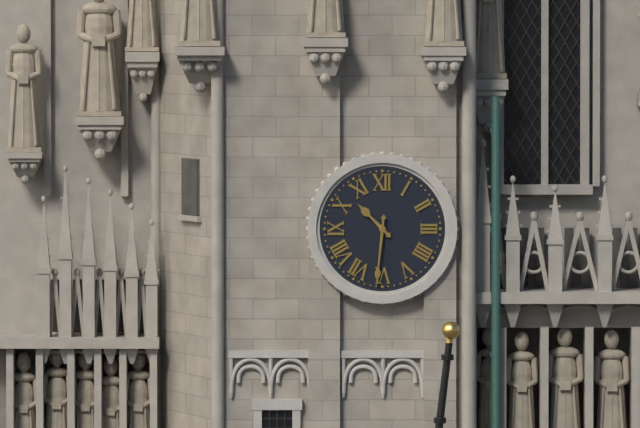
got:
h=10 m=31
